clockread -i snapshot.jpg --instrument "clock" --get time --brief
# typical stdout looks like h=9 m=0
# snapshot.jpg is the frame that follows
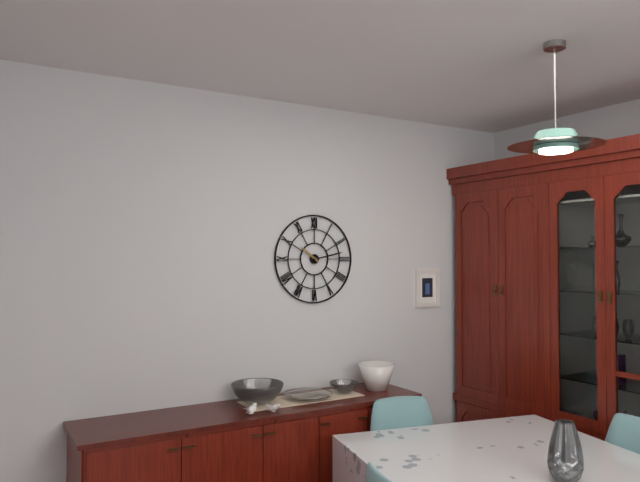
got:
h=10 m=13
